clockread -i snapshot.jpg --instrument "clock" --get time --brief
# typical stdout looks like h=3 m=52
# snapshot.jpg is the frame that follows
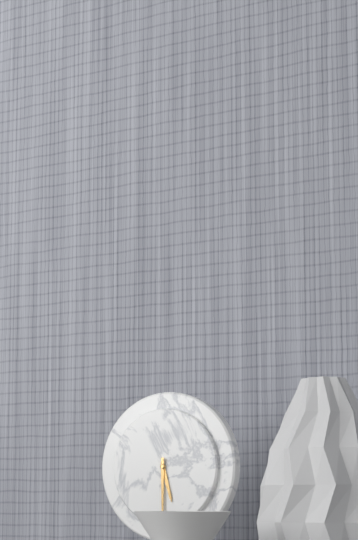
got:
h=5 m=30
